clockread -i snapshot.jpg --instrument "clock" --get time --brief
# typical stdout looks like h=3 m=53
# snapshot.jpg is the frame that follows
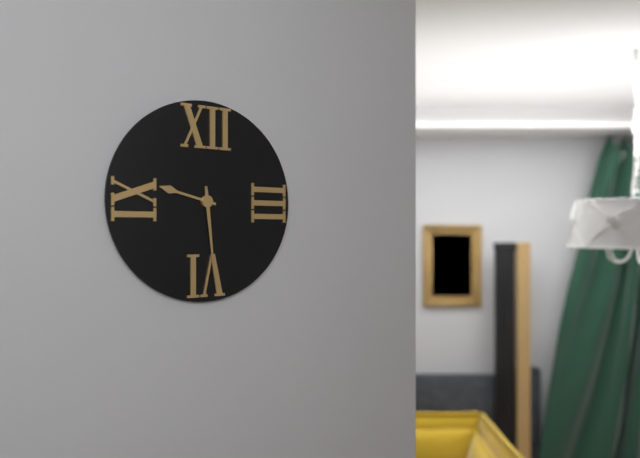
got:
h=9 m=29
